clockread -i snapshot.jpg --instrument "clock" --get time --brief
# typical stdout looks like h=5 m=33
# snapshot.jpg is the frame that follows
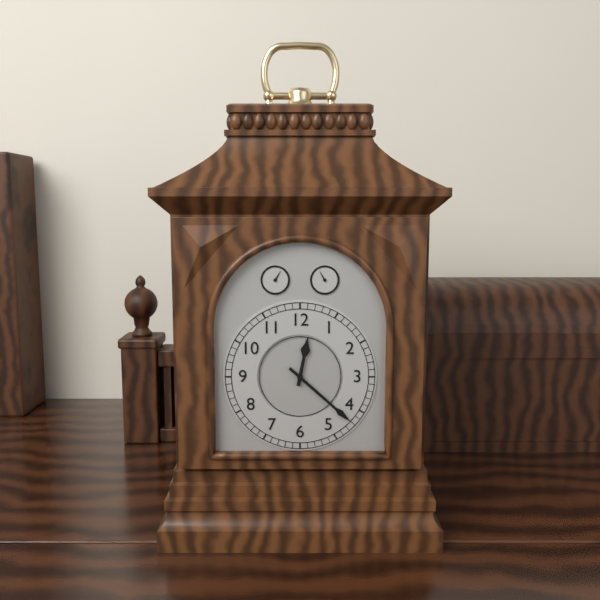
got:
h=12 m=22
